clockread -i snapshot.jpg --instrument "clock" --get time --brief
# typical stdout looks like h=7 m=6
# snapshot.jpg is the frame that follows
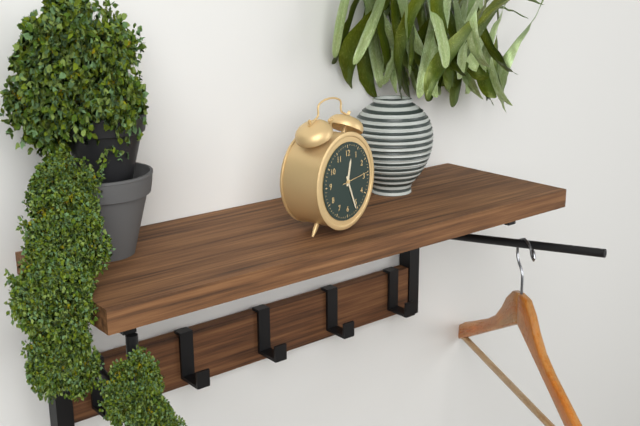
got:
h=12 m=26
